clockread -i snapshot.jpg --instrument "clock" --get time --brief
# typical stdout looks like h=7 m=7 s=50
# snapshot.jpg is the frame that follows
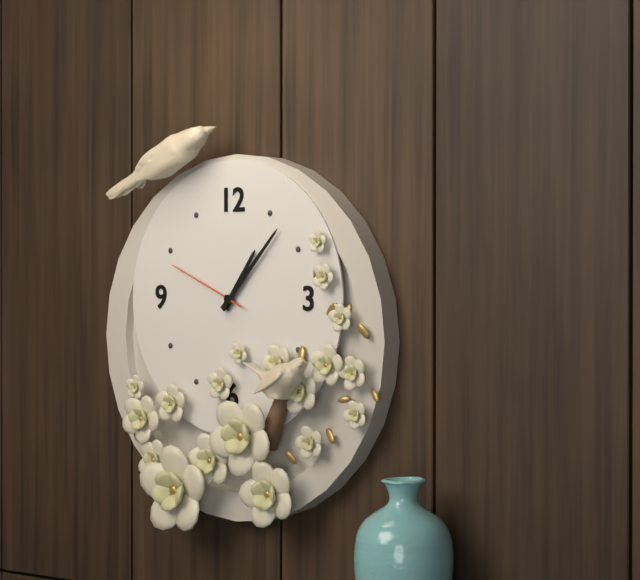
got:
h=1 m=7 s=49
